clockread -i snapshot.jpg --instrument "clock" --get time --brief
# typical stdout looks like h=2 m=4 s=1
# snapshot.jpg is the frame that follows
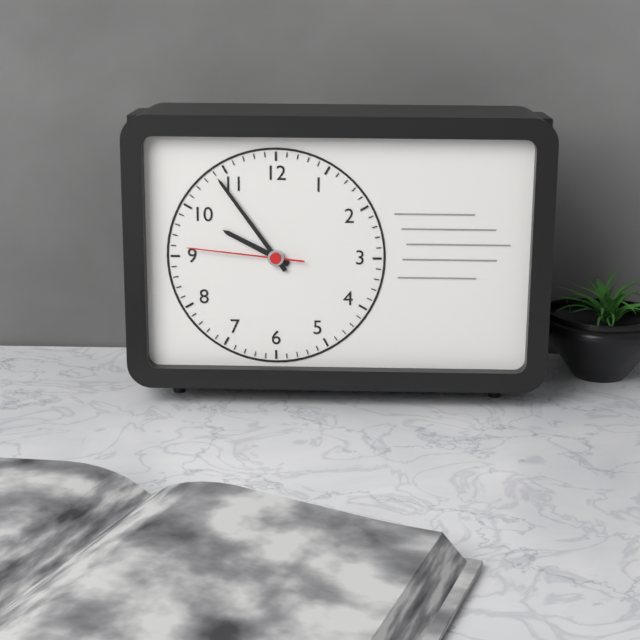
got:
h=9 m=54 s=46
